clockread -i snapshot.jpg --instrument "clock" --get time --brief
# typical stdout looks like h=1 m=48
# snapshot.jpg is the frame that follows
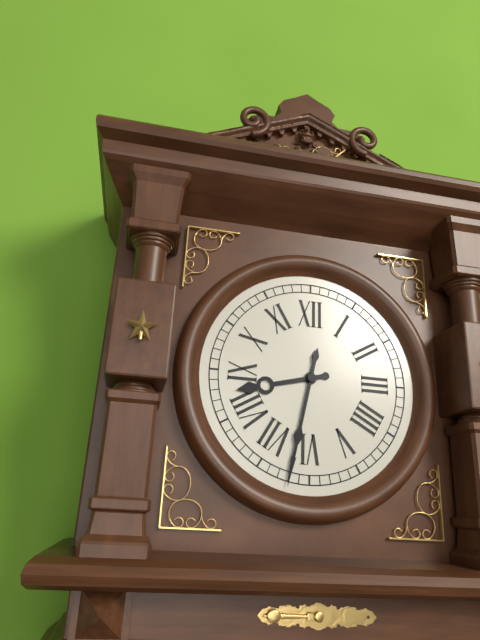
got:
h=8 m=32
